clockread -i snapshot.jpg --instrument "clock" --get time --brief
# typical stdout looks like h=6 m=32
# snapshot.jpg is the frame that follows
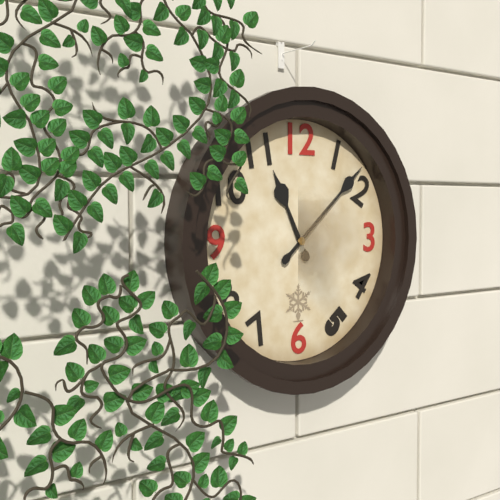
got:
h=11 m=8
